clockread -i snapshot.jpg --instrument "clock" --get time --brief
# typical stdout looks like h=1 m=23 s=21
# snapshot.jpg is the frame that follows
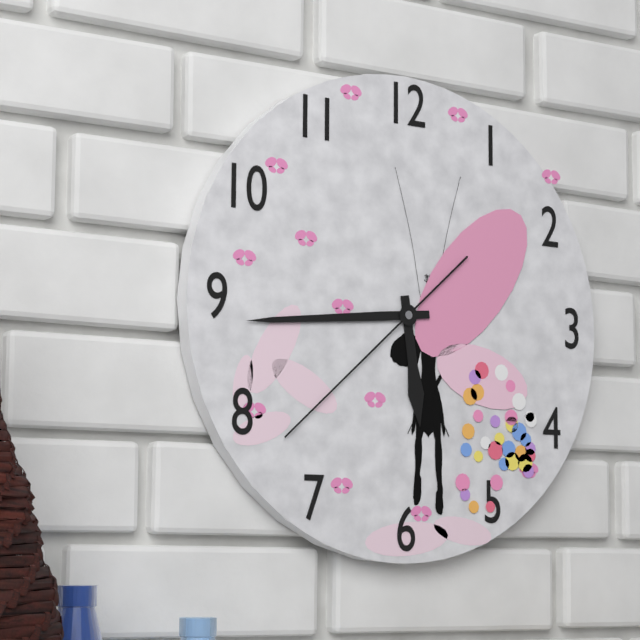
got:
h=5 m=44 s=38
